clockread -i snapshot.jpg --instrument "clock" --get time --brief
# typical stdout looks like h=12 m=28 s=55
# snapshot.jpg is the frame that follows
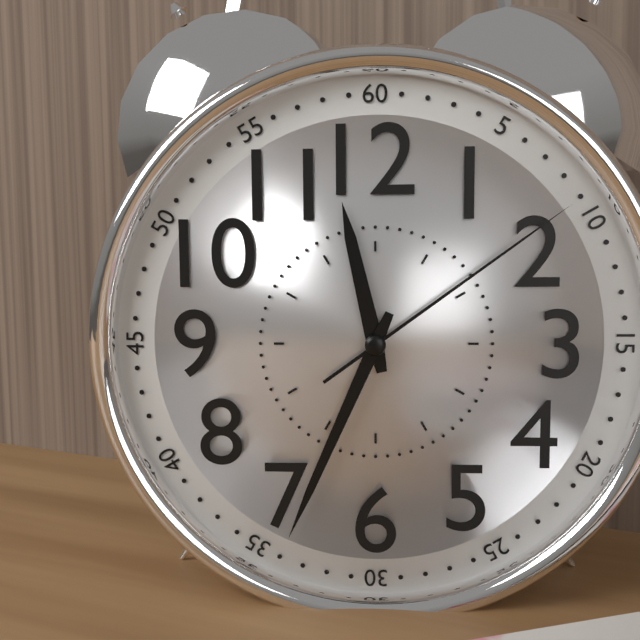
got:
h=11 m=34 s=9
